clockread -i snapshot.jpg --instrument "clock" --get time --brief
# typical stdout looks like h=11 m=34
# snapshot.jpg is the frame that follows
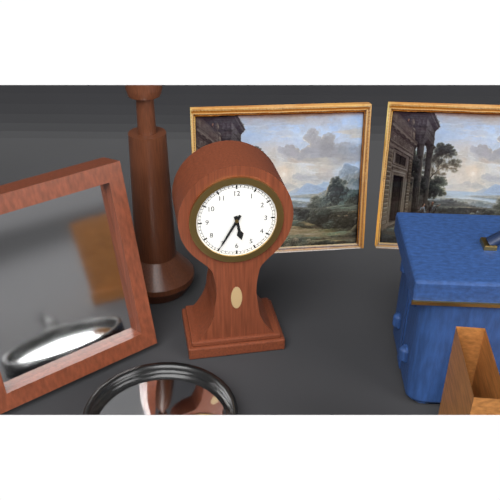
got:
h=5 m=35
